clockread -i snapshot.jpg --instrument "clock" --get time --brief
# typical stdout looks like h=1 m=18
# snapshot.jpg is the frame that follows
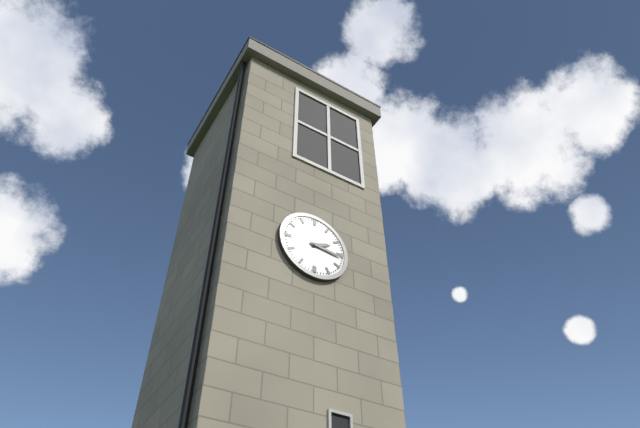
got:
h=2 m=16
